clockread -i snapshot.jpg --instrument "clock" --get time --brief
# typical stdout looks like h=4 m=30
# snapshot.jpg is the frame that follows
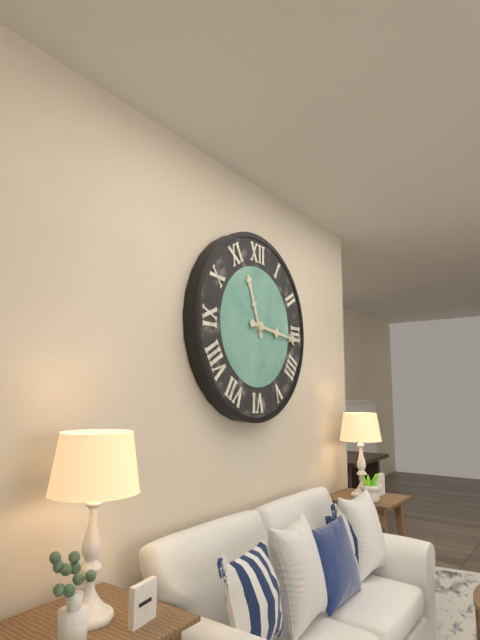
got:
h=11 m=16
